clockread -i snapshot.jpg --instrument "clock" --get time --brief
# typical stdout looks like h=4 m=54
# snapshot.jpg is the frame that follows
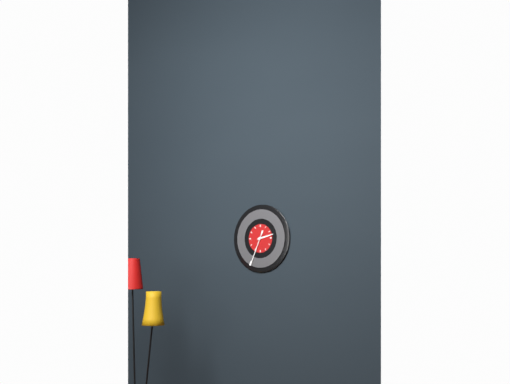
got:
h=2 m=34
